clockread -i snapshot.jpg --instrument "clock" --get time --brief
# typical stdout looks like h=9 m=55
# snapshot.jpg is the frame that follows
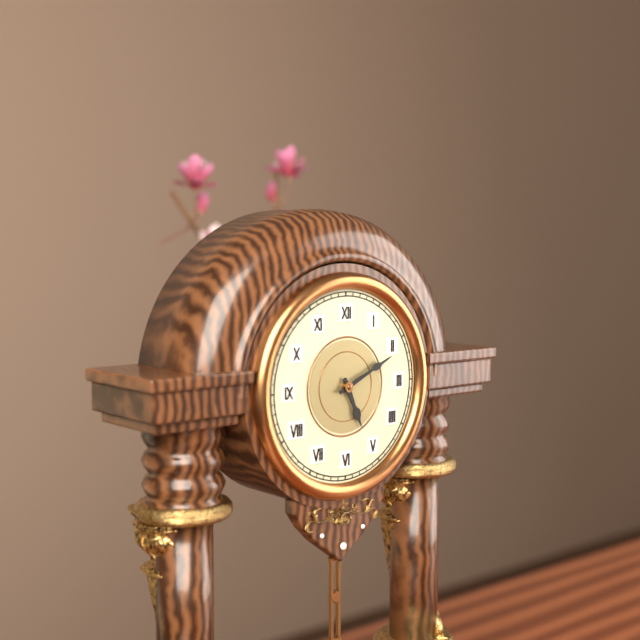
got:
h=5 m=11
